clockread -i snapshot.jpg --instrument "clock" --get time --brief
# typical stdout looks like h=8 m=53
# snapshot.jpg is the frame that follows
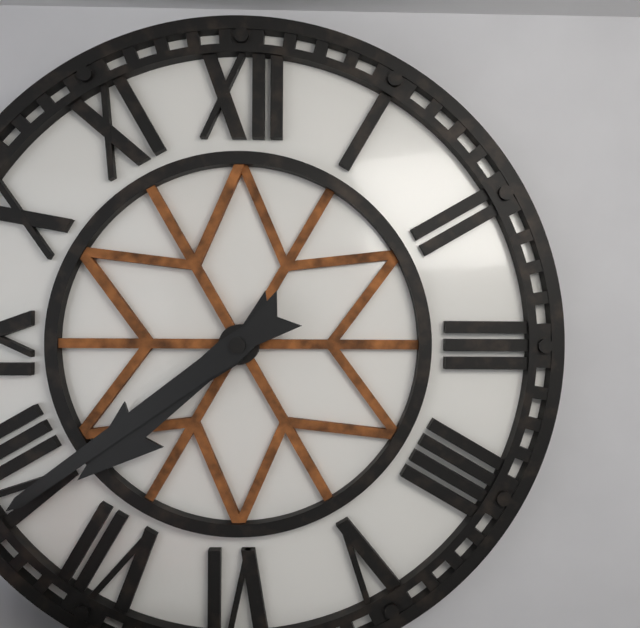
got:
h=7 m=39
